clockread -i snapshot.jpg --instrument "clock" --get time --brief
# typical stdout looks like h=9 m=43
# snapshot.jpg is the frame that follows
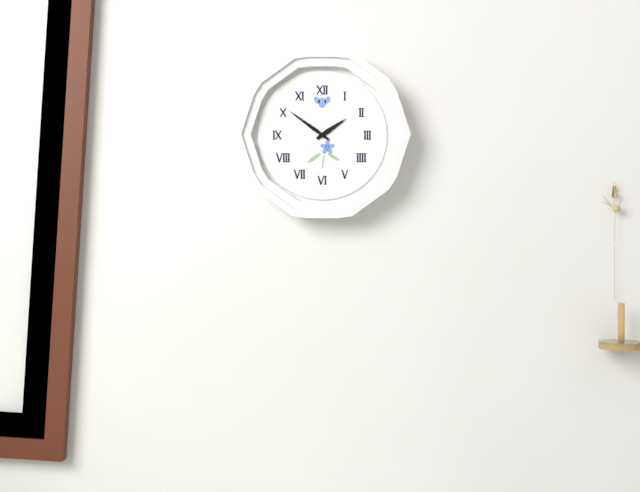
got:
h=1 m=51
